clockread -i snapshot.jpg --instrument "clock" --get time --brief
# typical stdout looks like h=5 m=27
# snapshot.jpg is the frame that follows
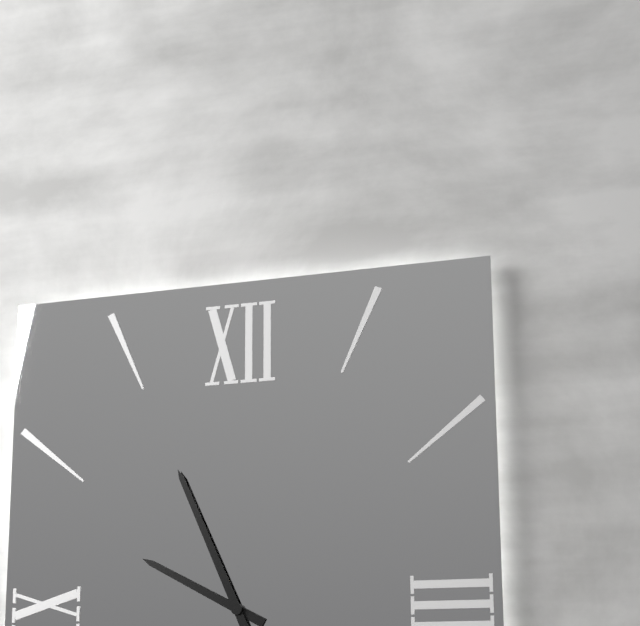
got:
h=9 m=56
